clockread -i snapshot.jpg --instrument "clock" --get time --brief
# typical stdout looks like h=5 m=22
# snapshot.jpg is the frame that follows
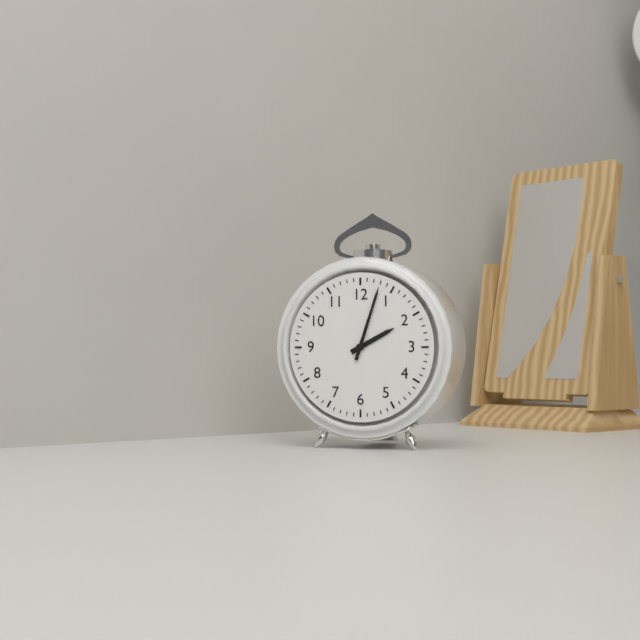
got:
h=2 m=3
